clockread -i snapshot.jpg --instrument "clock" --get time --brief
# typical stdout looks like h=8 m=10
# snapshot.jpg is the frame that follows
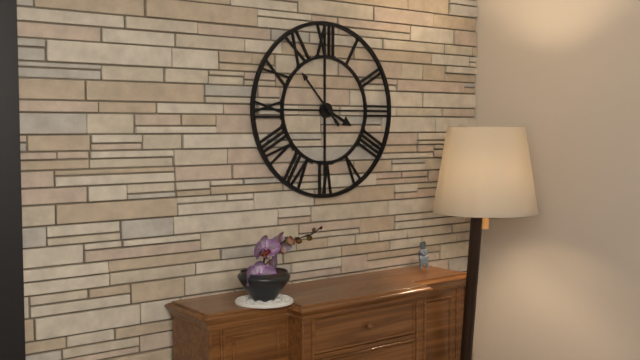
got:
h=3 m=53
